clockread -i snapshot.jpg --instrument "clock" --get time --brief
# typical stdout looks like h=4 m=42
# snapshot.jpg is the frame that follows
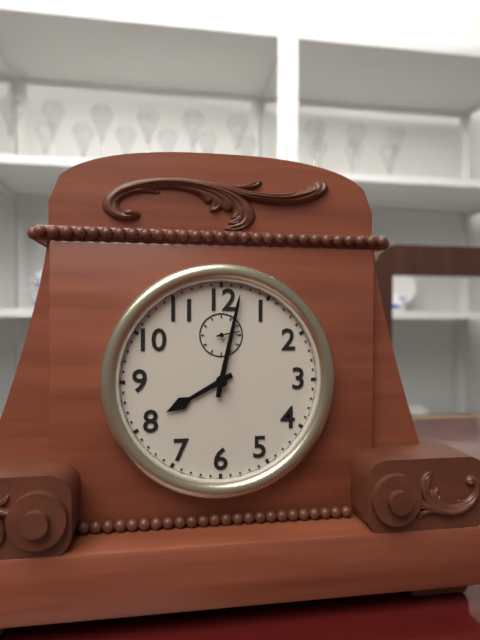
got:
h=8 m=2
